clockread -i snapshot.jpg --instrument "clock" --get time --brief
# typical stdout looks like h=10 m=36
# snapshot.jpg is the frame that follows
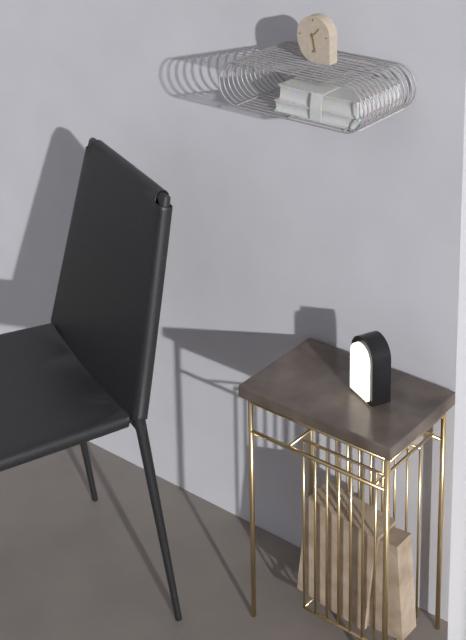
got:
h=1 m=28
